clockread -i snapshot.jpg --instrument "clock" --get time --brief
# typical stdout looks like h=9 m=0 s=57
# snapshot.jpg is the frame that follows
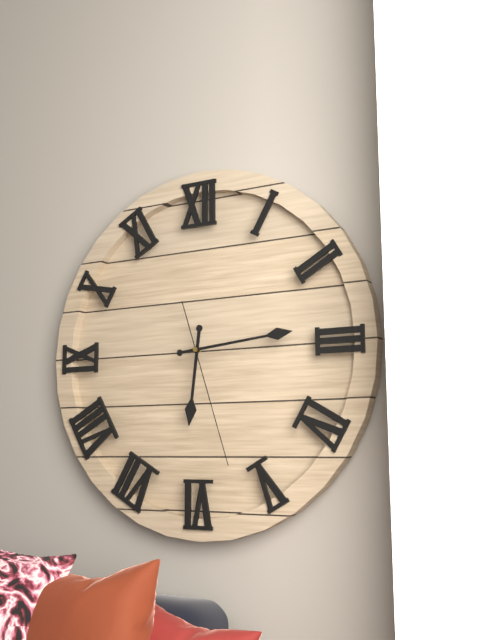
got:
h=6 m=14 s=27
